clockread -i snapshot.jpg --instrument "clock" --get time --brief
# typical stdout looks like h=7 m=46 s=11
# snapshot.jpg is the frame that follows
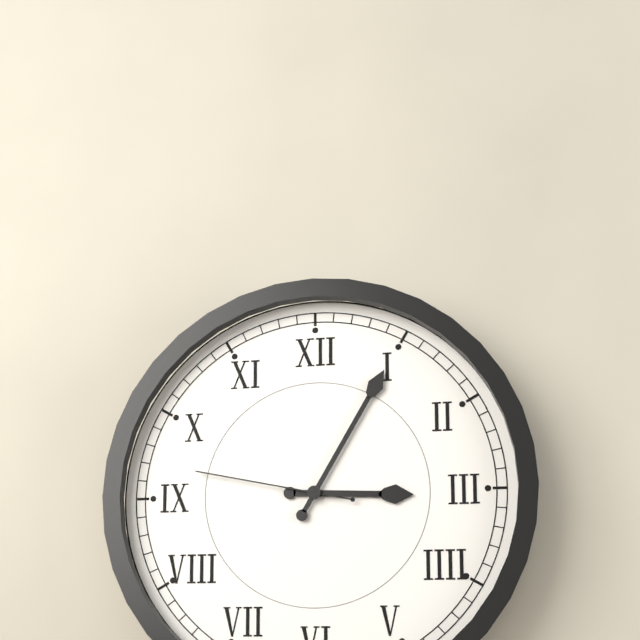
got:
h=3 m=5 s=47
